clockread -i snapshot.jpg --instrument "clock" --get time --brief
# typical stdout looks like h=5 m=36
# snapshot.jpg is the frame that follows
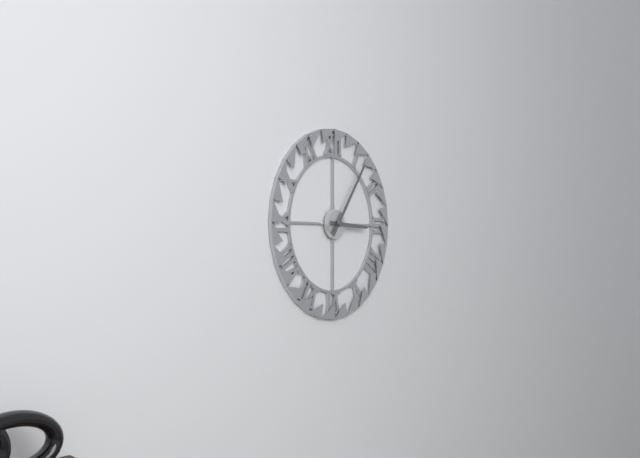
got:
h=3 m=6
